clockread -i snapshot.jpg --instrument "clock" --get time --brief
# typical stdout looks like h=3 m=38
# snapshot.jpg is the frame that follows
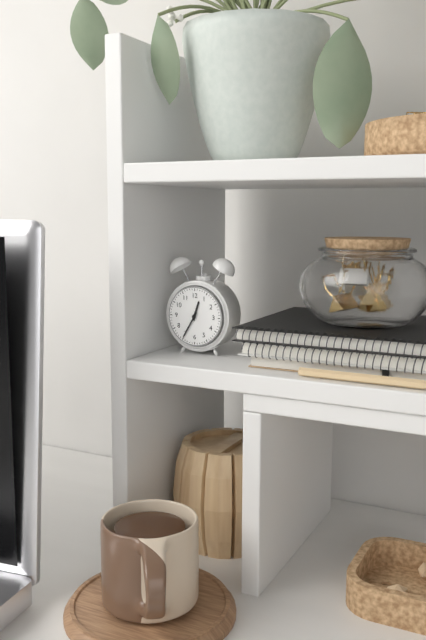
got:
h=12 m=35
